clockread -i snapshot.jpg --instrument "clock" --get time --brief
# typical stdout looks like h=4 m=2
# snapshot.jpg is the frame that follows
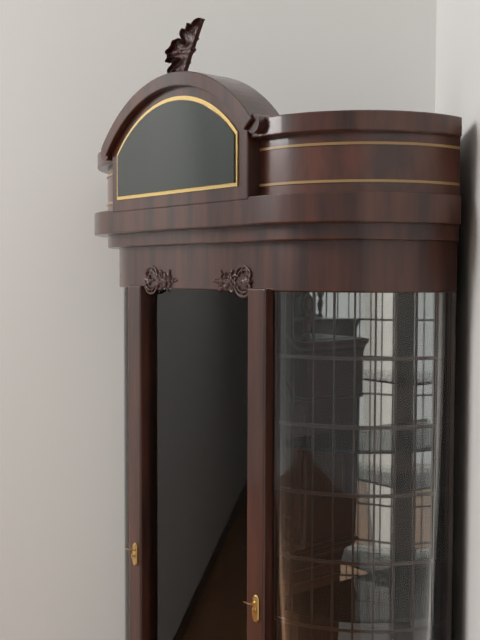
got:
h=1 m=32
